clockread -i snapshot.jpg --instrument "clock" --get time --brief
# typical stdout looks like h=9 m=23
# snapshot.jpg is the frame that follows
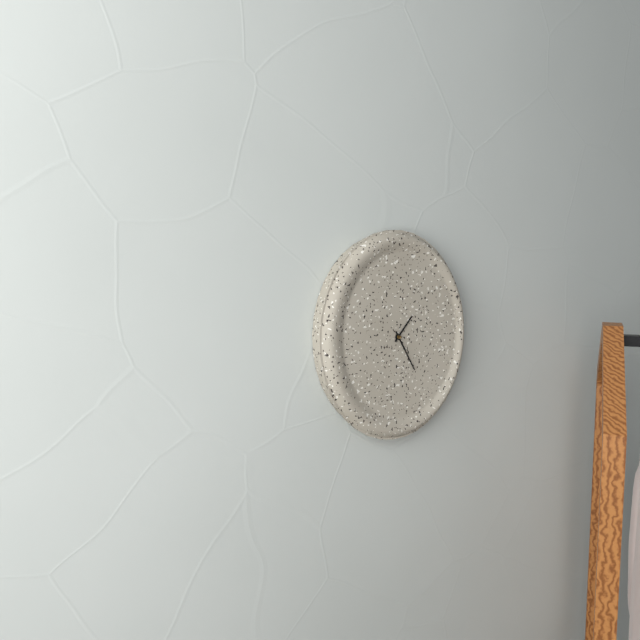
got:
h=1 m=25
